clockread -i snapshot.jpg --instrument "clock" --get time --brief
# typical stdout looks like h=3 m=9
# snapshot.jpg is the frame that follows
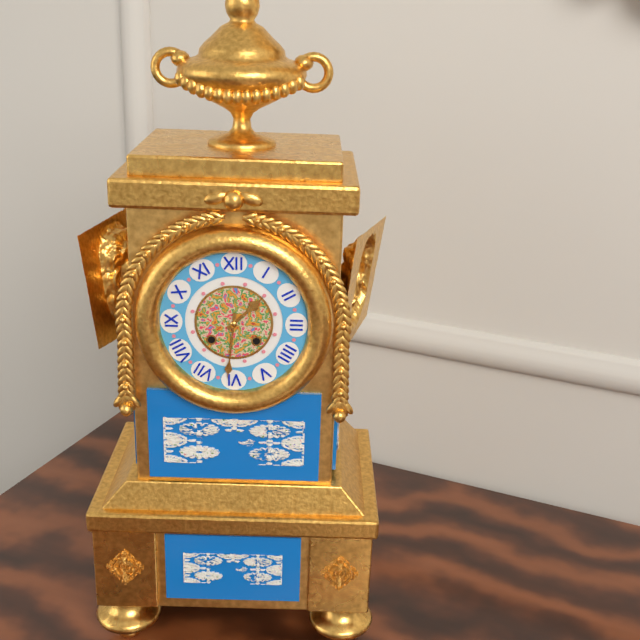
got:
h=1 m=31
